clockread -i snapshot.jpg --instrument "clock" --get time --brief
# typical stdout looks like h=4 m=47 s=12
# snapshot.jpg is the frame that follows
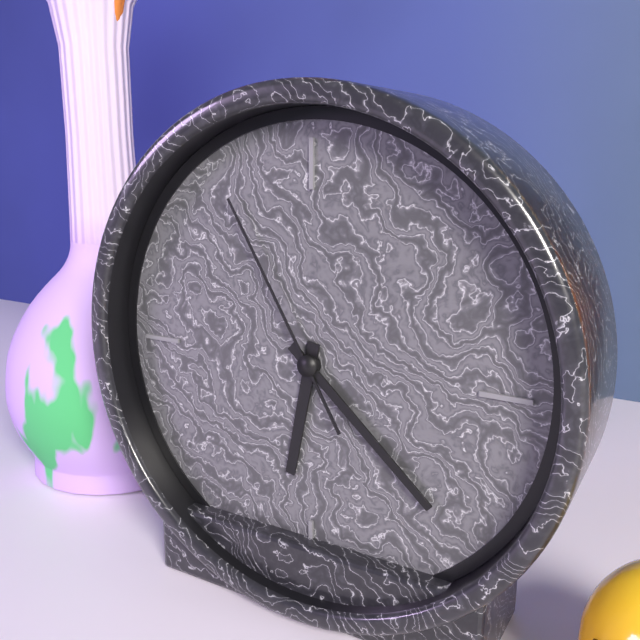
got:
h=6 m=22 s=55
